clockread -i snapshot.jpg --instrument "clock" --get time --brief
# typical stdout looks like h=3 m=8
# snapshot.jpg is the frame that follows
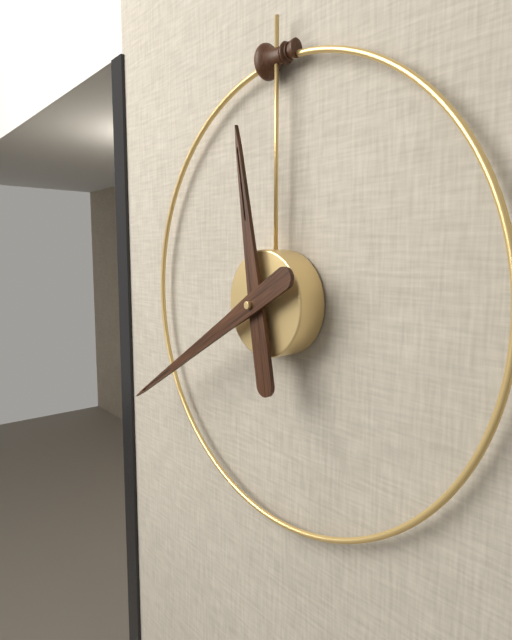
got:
h=11 m=40
